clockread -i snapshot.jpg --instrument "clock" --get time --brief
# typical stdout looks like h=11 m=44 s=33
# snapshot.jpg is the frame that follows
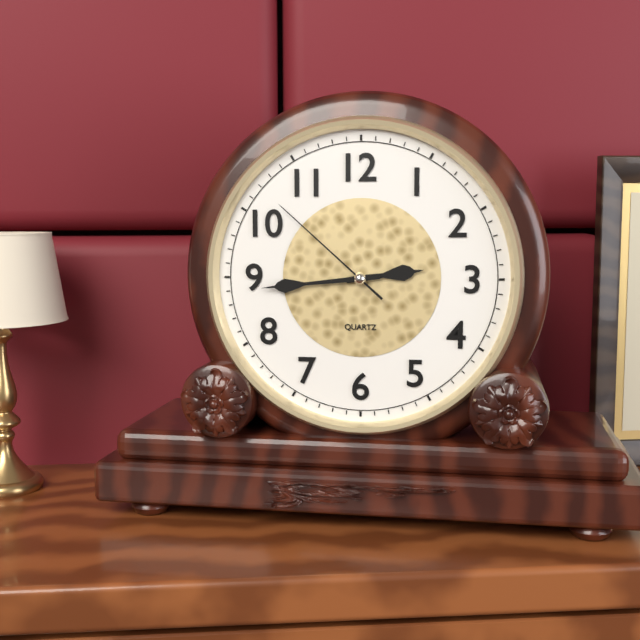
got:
h=2 m=44 s=52
